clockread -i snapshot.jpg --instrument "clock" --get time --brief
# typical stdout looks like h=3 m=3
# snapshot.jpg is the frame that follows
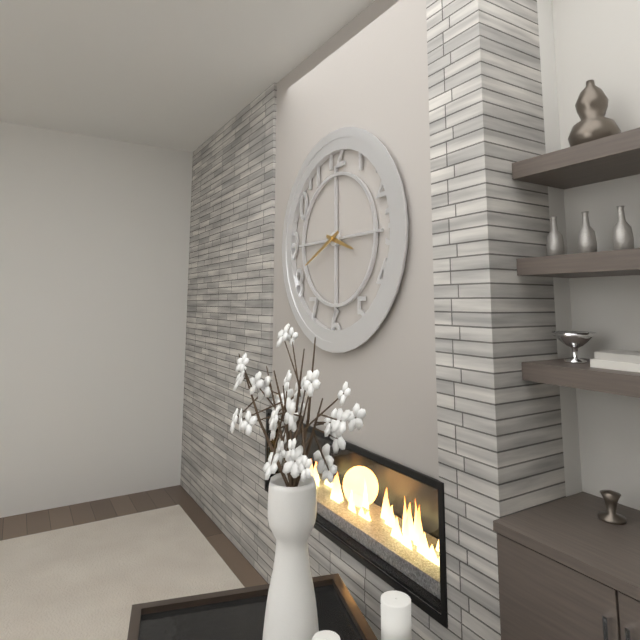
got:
h=3 m=41
